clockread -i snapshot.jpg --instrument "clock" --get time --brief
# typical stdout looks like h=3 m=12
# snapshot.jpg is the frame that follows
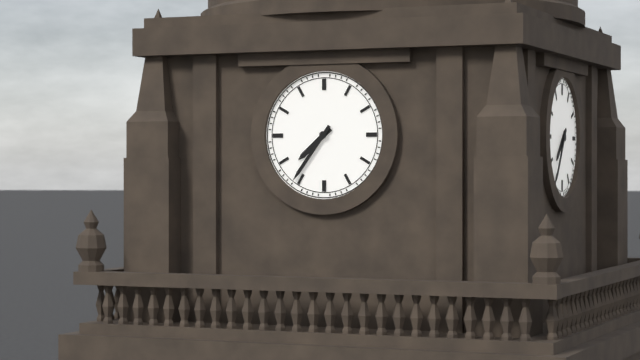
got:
h=7 m=36
